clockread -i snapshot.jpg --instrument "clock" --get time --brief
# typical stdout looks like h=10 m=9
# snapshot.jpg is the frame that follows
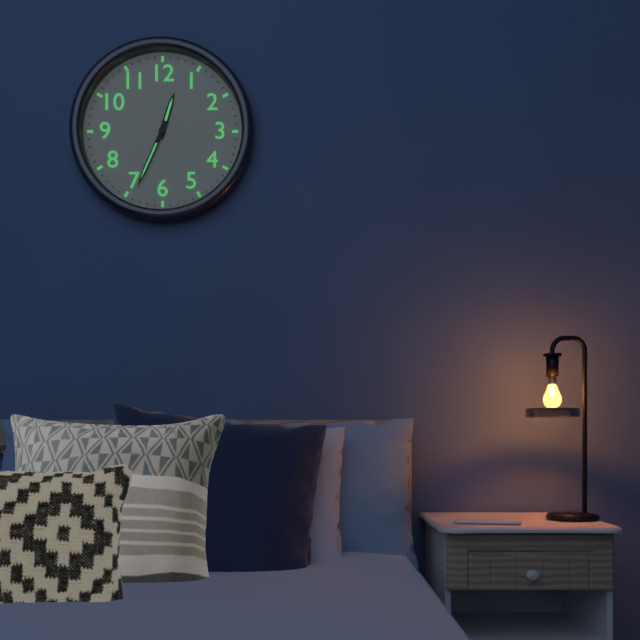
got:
h=12 m=34
